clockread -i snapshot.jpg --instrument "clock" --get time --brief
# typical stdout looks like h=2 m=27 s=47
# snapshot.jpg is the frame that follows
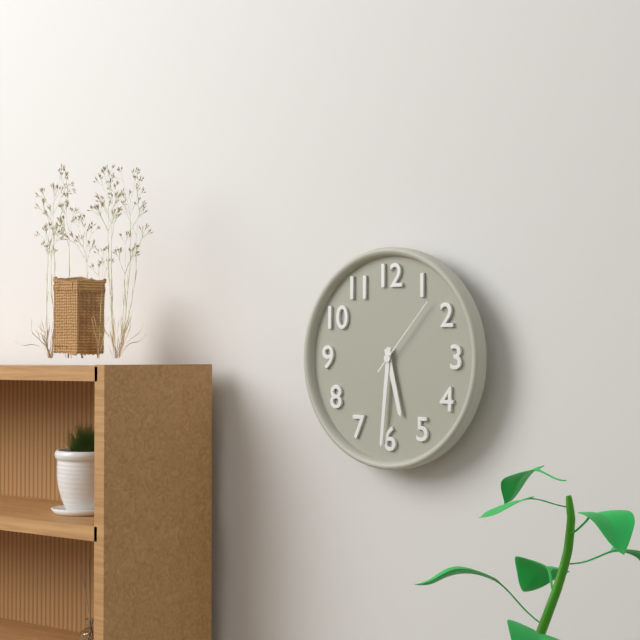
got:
h=5 m=31 s=7
